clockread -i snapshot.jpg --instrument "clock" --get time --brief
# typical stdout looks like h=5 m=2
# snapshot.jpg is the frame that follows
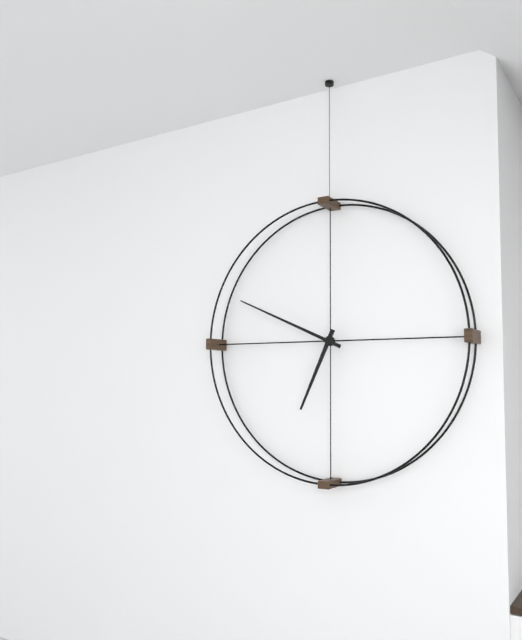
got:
h=6 m=49
